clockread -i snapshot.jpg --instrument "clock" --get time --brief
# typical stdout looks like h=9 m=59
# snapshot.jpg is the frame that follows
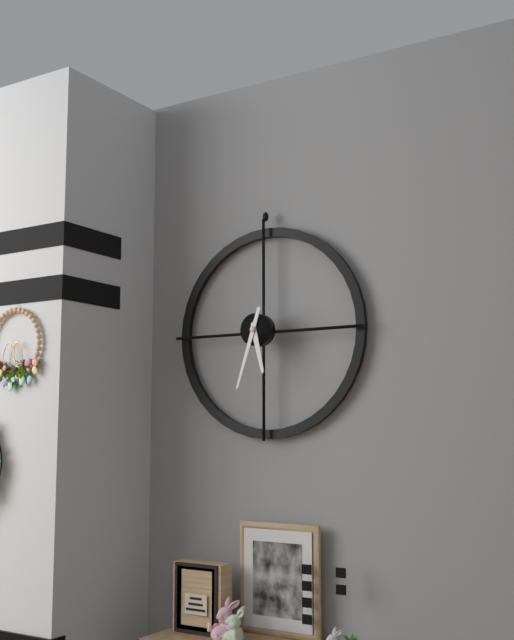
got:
h=5 m=33
